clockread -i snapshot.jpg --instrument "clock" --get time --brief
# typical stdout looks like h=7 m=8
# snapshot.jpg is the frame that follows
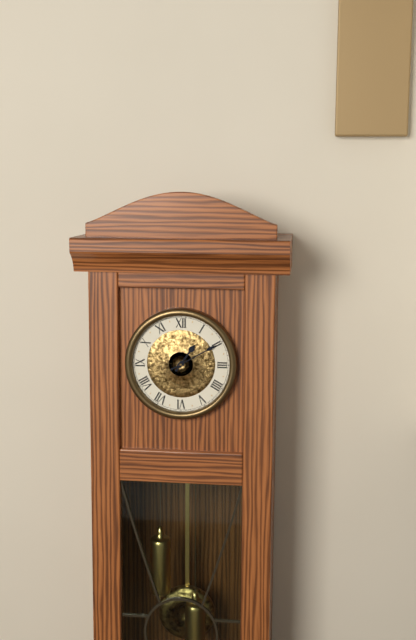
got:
h=1 m=10
